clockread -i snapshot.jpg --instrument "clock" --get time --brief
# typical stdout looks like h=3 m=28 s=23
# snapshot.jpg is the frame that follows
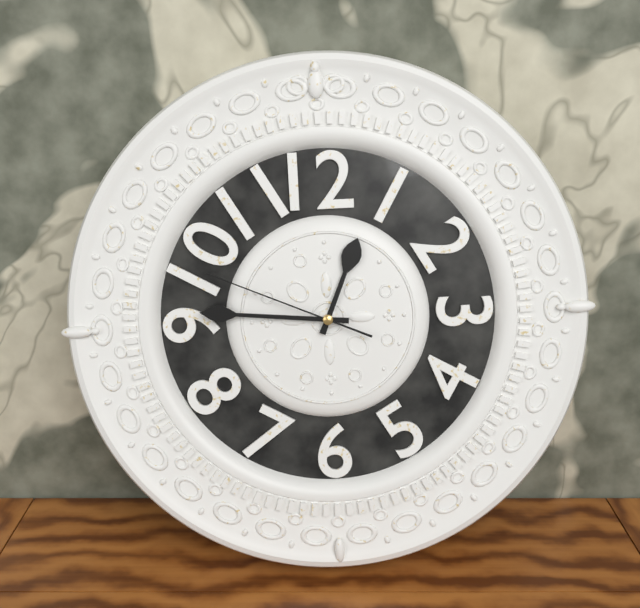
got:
h=12 m=46 s=49
